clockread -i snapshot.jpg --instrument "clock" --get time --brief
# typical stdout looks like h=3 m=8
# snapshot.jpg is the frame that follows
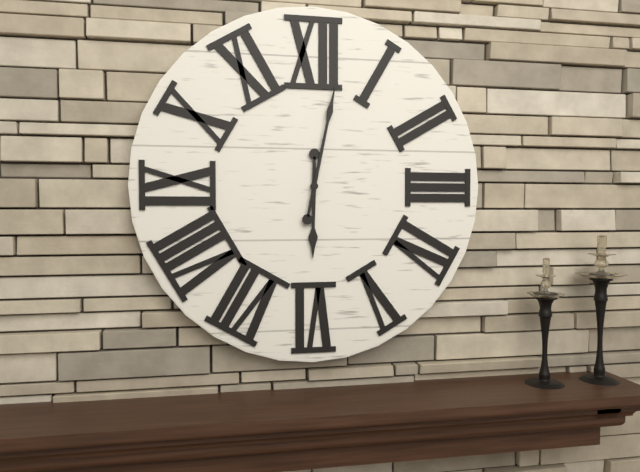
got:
h=6 m=2
